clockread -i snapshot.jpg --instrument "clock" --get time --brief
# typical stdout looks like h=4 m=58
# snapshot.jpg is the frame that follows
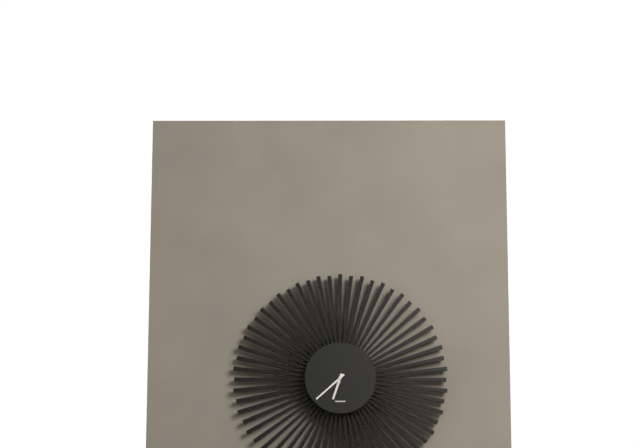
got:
h=6 m=38
